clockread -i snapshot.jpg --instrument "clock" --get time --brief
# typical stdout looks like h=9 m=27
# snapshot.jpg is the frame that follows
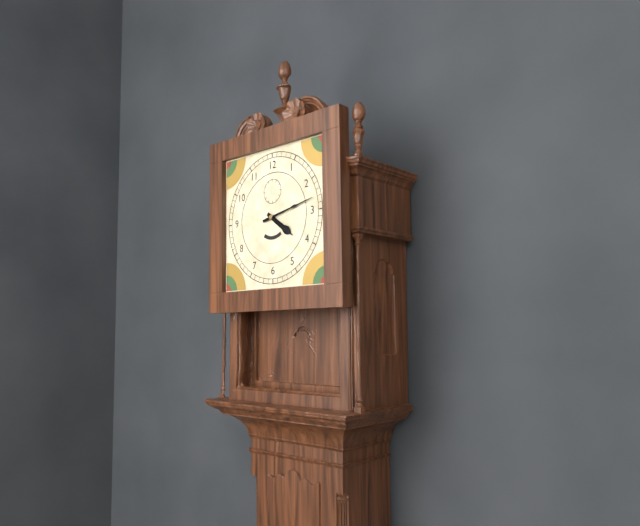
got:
h=4 m=13
